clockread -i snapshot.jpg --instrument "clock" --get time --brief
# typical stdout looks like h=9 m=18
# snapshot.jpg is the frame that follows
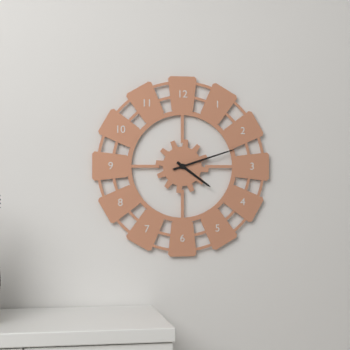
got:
h=4 m=12
